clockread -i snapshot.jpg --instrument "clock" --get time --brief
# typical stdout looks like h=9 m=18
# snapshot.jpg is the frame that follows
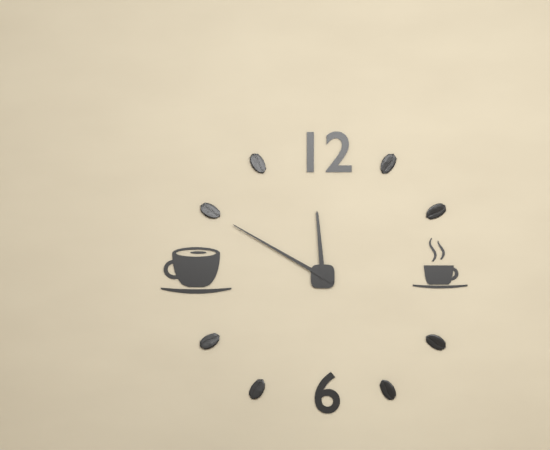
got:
h=11 m=50
